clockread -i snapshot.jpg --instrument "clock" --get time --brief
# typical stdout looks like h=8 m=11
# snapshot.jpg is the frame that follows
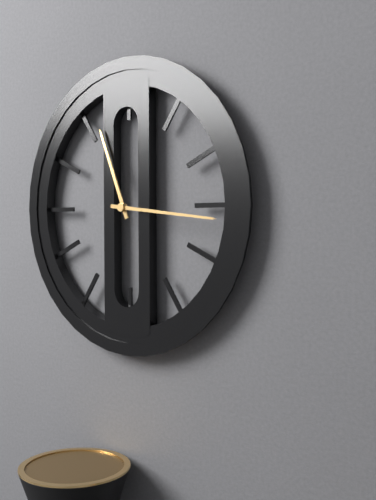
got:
h=11 m=16
